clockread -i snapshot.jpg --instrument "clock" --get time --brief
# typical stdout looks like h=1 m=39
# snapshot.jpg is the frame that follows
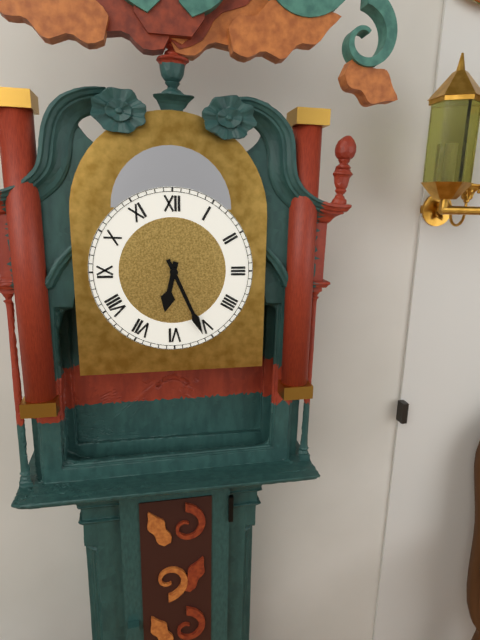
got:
h=6 m=26
